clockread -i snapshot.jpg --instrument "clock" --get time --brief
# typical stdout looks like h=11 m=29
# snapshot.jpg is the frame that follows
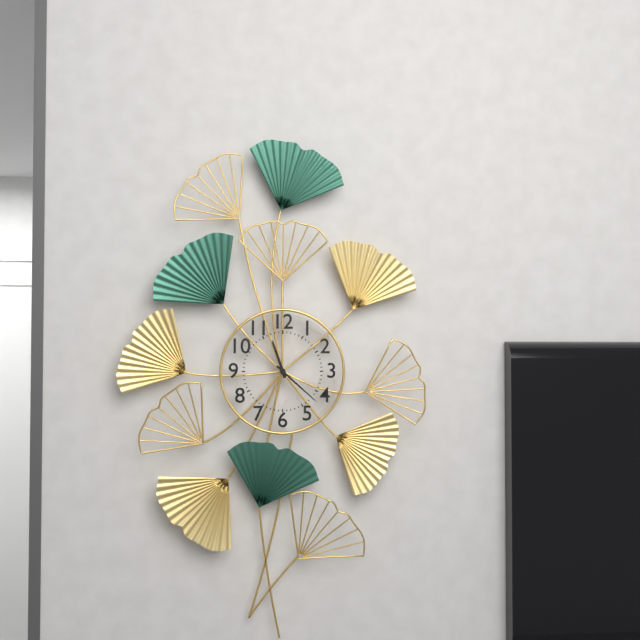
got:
h=11 m=22
